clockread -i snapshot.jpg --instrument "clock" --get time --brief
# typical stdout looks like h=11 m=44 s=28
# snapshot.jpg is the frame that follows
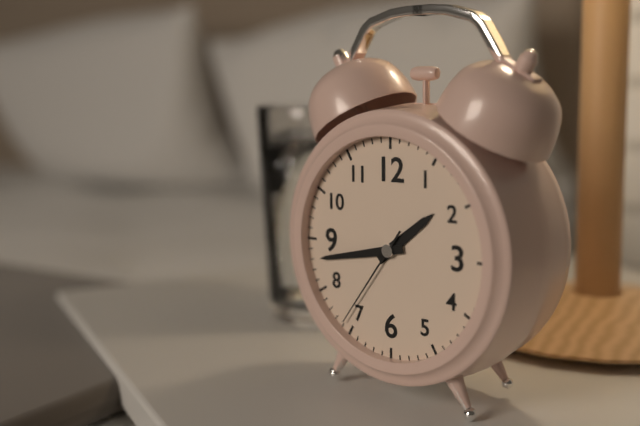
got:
h=1 m=43 s=36
